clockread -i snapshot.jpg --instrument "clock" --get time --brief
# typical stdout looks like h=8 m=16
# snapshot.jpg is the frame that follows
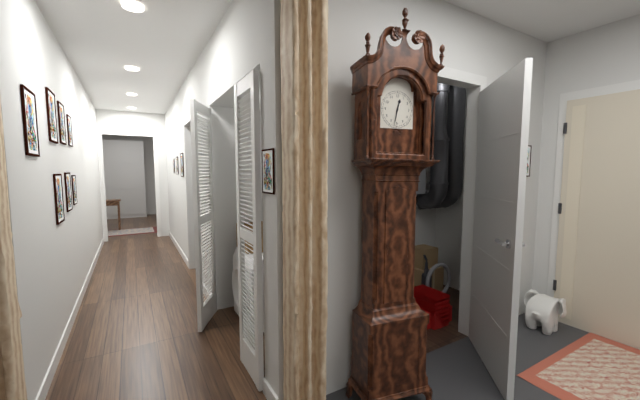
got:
h=12 m=32
